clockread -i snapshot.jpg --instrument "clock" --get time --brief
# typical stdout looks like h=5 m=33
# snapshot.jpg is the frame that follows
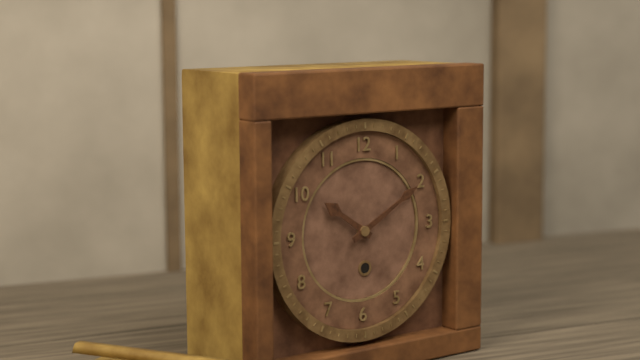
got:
h=10 m=10
